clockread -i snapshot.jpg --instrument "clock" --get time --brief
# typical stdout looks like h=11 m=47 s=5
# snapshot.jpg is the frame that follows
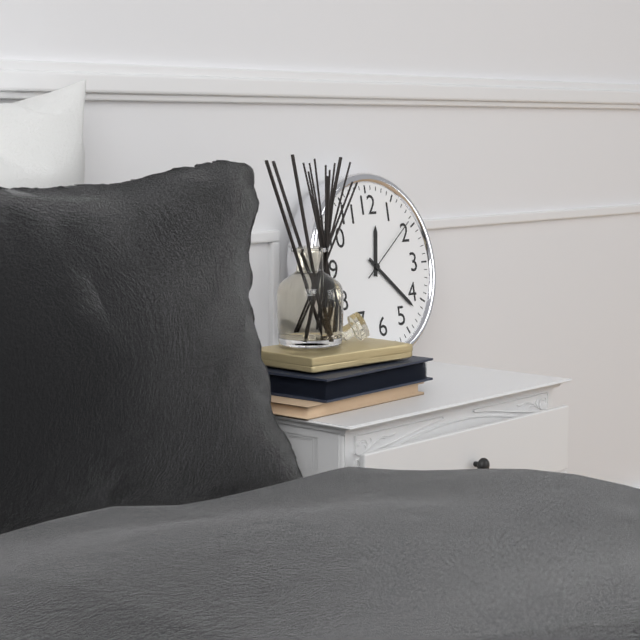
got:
h=12 m=22 s=9
